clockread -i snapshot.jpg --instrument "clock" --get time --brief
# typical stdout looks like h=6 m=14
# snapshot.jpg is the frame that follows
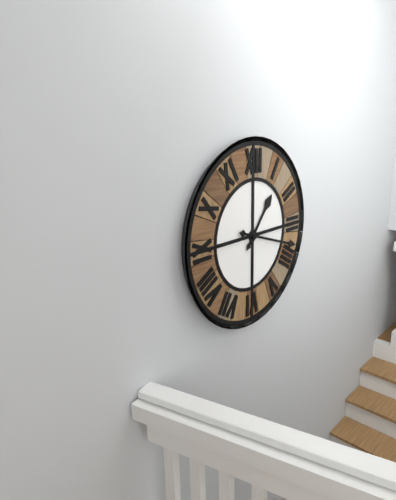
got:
h=1 m=18
